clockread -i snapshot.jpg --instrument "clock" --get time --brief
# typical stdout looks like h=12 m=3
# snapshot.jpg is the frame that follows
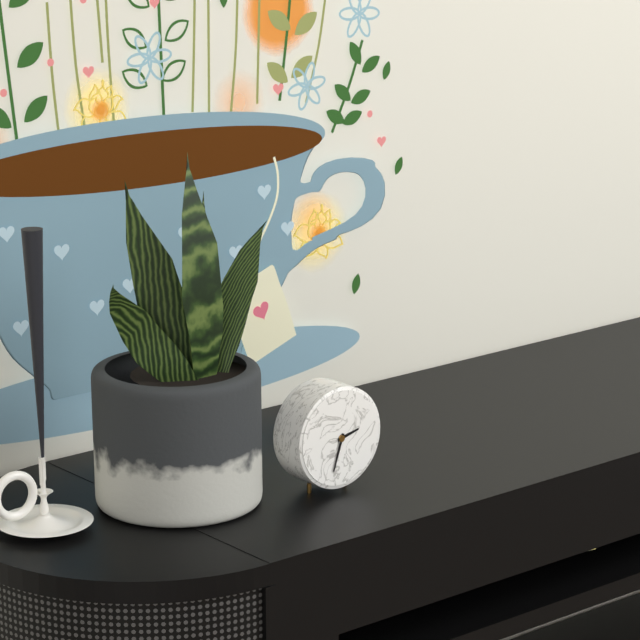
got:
h=2 m=33
